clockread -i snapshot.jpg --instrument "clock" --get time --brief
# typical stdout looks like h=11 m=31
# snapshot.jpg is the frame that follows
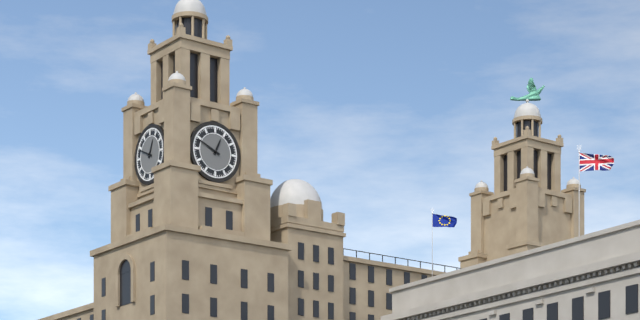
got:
h=12 m=49
